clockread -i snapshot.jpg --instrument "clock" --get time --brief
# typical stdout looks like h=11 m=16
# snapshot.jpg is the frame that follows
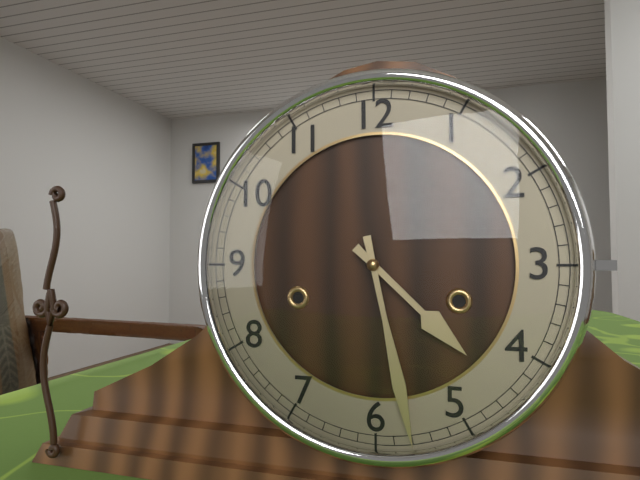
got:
h=4 m=28
